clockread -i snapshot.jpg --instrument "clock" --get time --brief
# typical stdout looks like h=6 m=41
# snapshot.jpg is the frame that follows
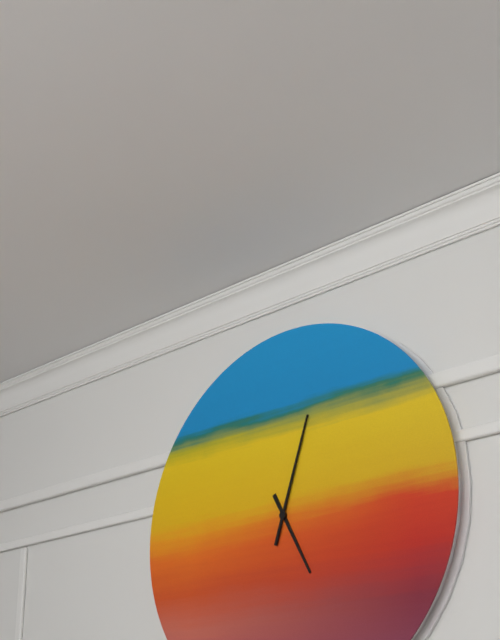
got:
h=5 m=3
